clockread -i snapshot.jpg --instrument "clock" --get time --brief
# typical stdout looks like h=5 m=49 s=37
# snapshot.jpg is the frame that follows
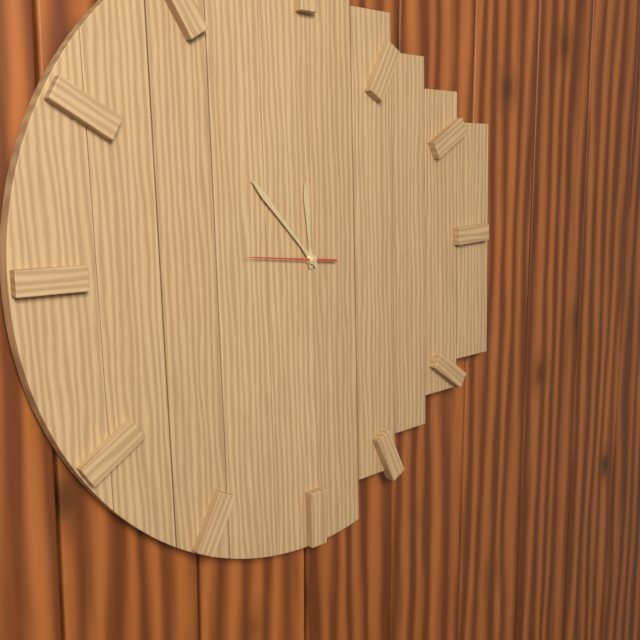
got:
h=11 m=53 s=46
